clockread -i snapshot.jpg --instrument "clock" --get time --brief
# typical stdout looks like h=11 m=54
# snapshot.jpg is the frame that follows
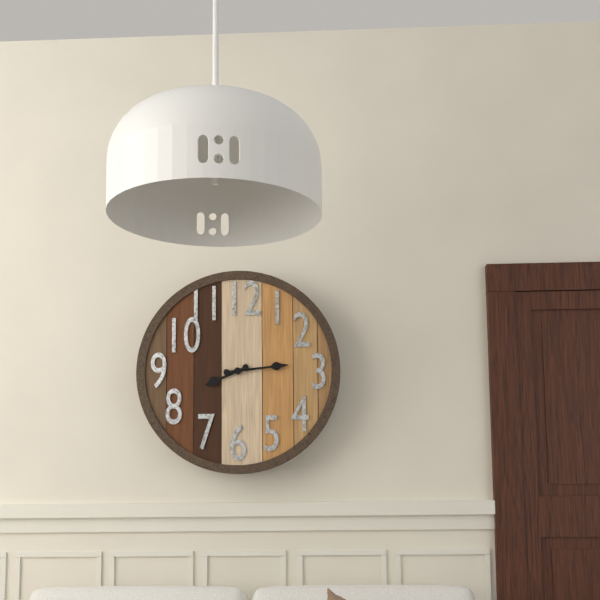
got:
h=8 m=14
